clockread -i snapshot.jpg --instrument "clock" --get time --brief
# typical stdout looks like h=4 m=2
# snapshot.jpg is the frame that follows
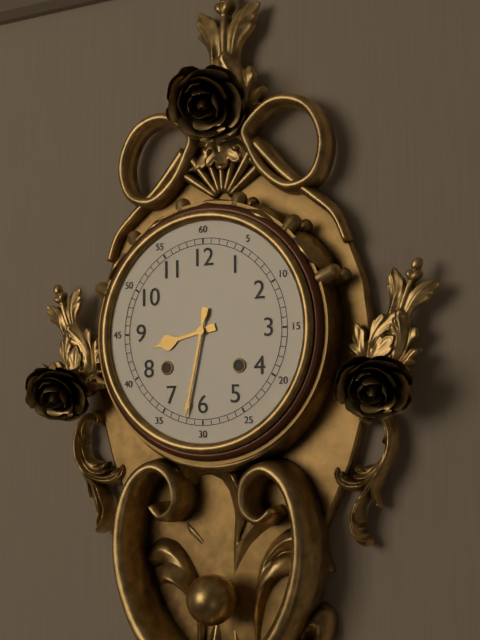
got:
h=8 m=32
